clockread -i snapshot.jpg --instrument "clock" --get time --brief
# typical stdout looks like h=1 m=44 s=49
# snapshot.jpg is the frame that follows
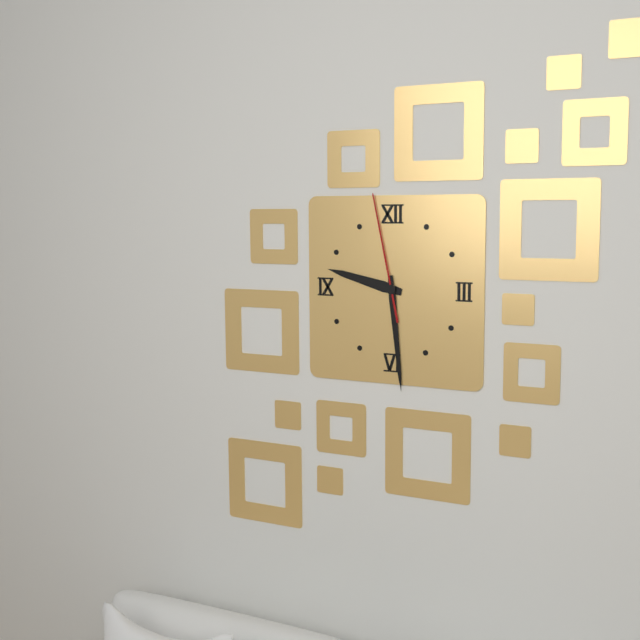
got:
h=9 m=29 s=58
